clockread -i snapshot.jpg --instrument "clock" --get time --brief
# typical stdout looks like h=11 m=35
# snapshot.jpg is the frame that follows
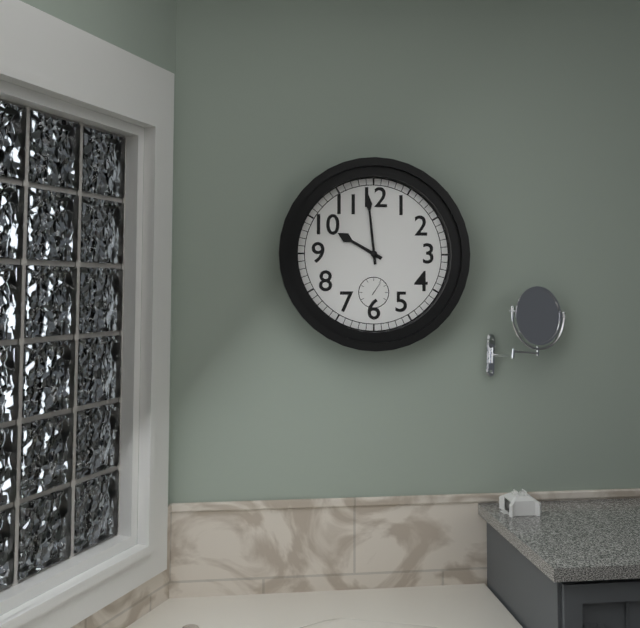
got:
h=9 m=59
